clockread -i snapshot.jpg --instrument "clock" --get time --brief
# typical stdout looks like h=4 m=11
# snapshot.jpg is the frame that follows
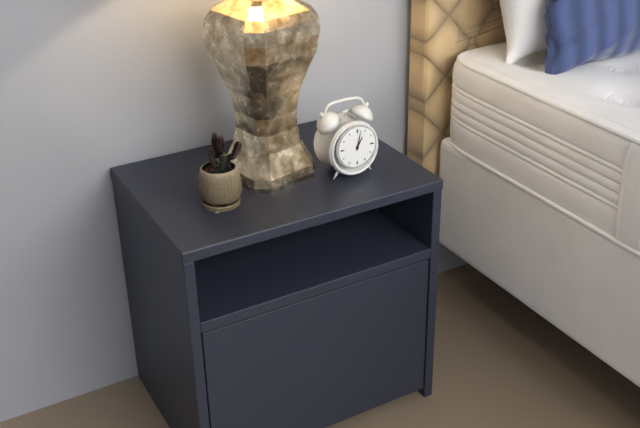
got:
h=1 m=2
